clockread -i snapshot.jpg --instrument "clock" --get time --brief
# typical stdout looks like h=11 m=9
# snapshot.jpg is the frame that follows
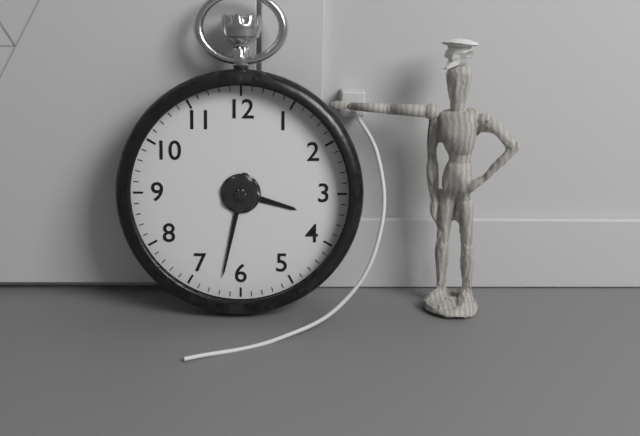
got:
h=3 m=32
